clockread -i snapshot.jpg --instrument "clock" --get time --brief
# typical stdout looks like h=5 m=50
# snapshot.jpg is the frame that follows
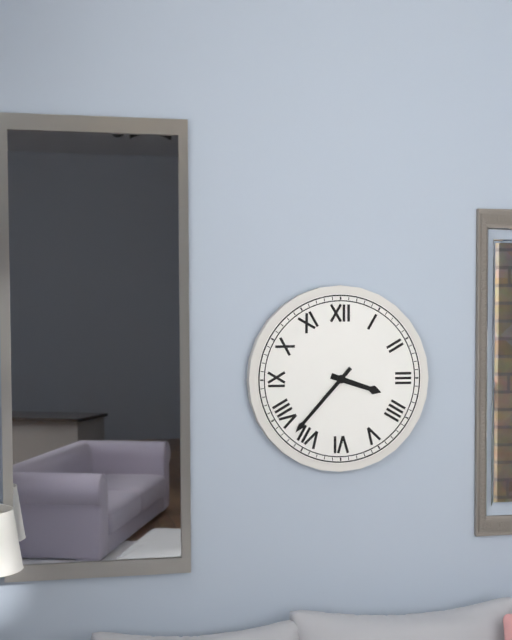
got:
h=3 m=37
